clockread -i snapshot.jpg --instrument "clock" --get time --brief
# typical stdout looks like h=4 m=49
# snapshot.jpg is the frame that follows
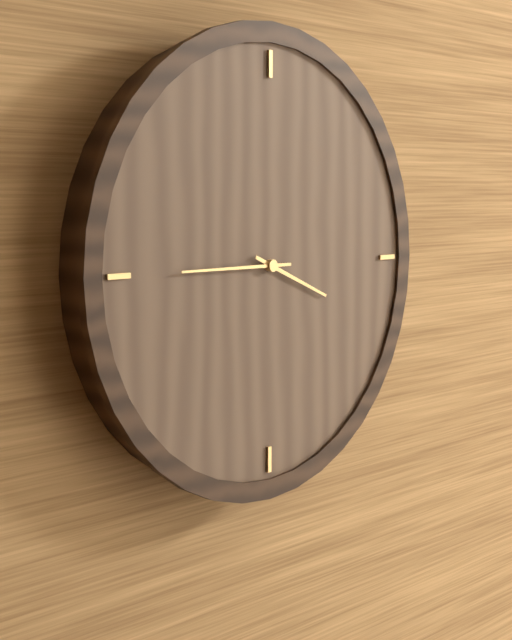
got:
h=3 m=45
